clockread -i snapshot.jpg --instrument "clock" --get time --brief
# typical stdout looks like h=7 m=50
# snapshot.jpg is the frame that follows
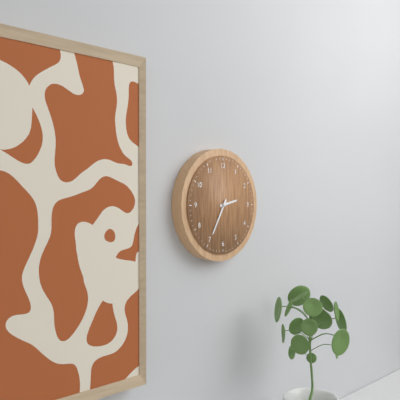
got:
h=2 m=35
